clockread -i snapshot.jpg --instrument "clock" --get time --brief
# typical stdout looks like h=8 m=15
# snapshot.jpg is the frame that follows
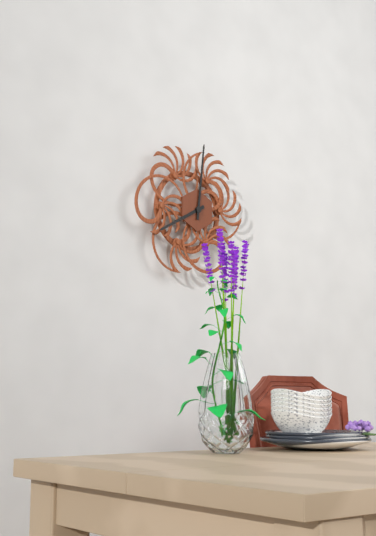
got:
h=8 m=1
